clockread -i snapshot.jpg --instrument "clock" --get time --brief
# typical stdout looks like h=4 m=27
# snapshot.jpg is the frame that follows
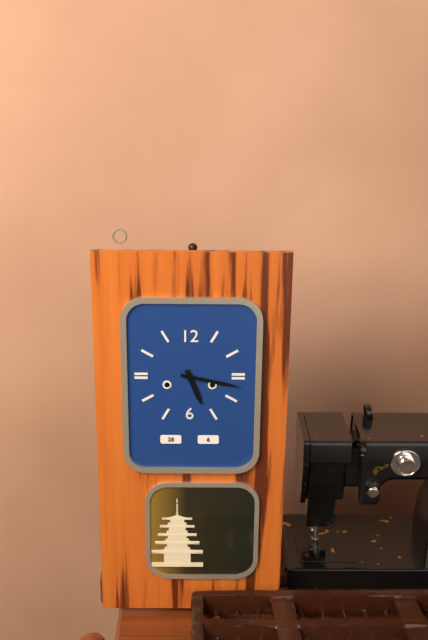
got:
h=5 m=17
